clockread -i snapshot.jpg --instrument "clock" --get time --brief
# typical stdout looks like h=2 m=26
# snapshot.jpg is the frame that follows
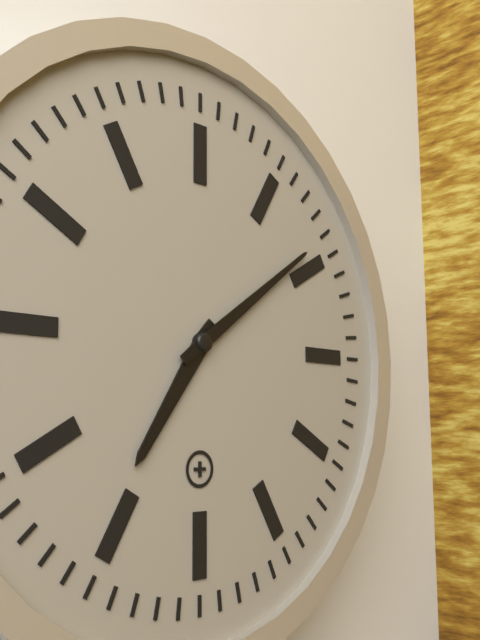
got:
h=7 m=9
